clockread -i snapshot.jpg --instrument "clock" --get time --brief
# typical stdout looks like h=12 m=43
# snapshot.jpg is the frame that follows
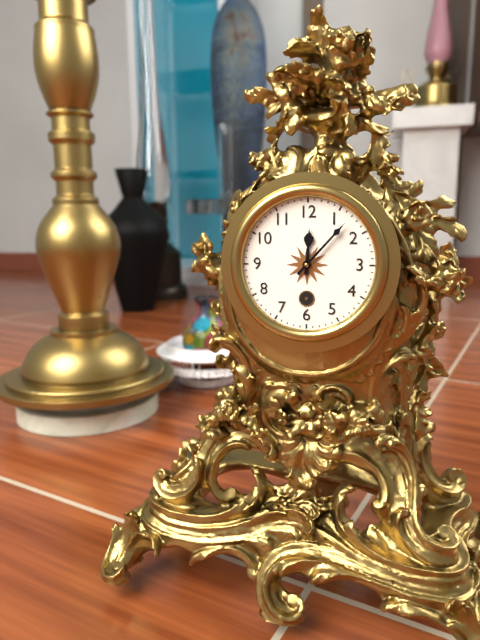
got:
h=12 m=7
